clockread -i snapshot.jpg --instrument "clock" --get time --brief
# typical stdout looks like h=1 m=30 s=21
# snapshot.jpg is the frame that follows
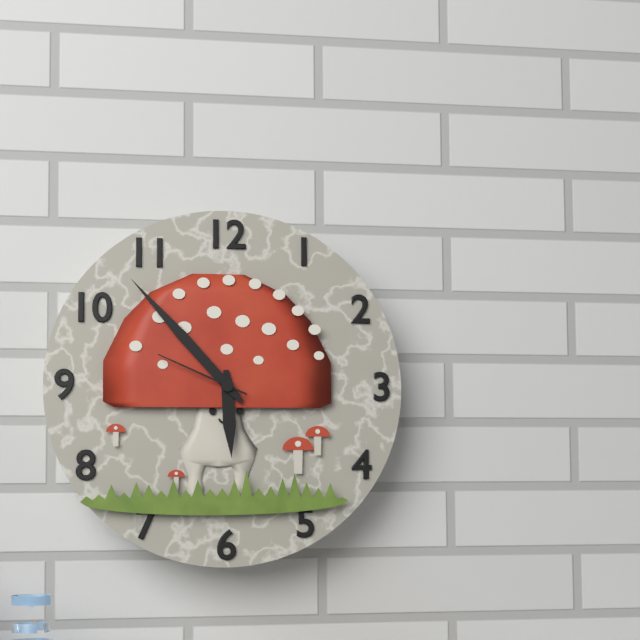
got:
h=5 m=53 s=49
